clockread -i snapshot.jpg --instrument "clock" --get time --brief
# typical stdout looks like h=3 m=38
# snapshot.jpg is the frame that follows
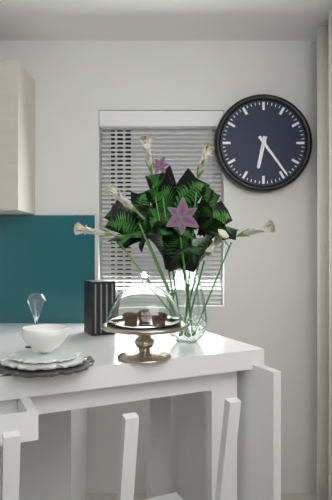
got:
h=6 m=24
